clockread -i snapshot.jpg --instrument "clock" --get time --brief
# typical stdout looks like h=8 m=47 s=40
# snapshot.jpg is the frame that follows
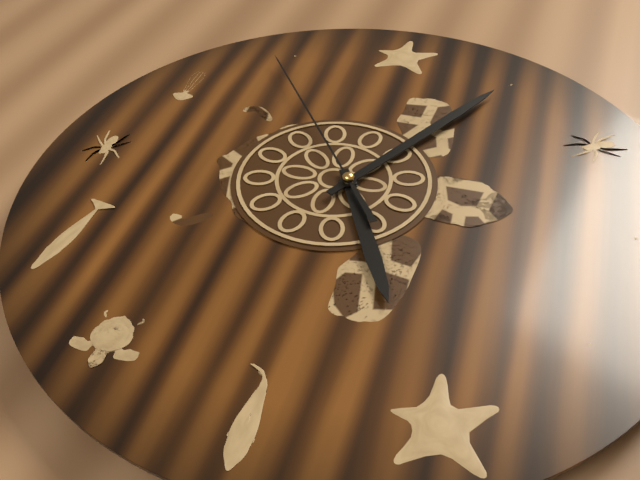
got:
h=5 m=5 s=54
